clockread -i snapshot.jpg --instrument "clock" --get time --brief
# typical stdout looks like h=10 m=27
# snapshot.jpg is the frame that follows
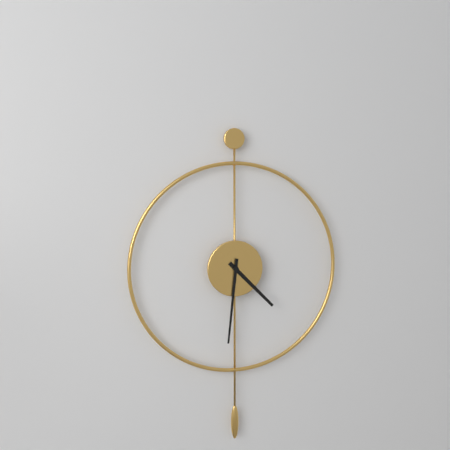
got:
h=4 m=31
